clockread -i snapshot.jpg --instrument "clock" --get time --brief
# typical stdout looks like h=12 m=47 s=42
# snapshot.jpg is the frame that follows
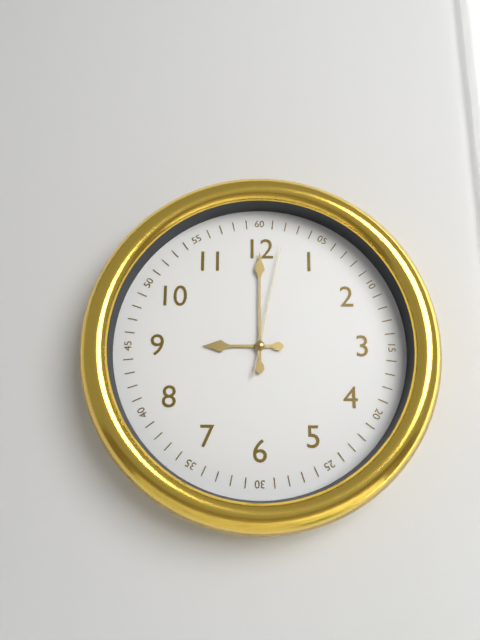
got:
h=9 m=0 s=2
